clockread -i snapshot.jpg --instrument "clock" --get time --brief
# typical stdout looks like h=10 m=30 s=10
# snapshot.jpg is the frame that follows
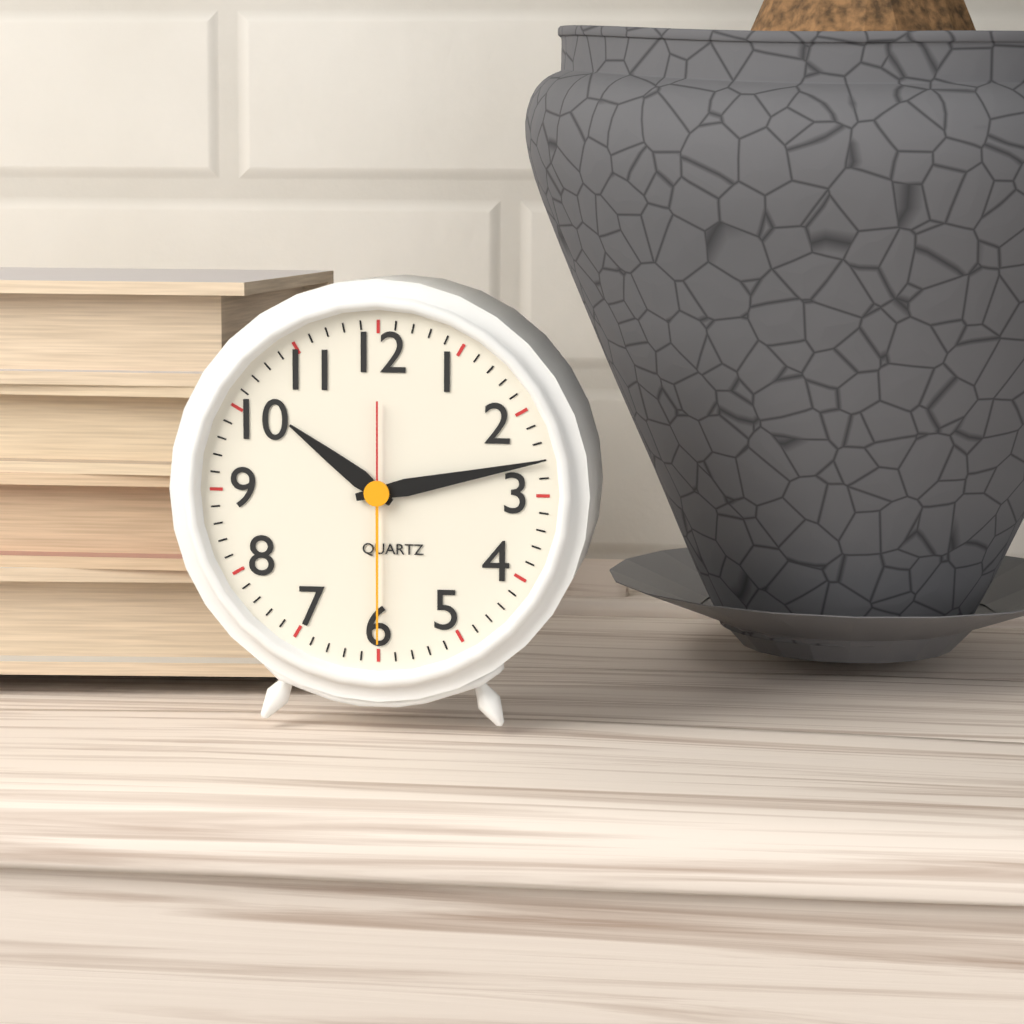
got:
h=10 m=13 s=30
